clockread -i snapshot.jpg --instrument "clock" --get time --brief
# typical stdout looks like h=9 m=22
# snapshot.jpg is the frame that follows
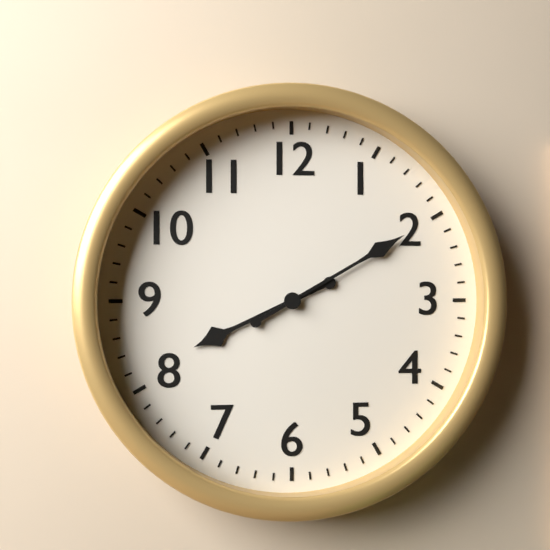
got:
h=8 m=10
